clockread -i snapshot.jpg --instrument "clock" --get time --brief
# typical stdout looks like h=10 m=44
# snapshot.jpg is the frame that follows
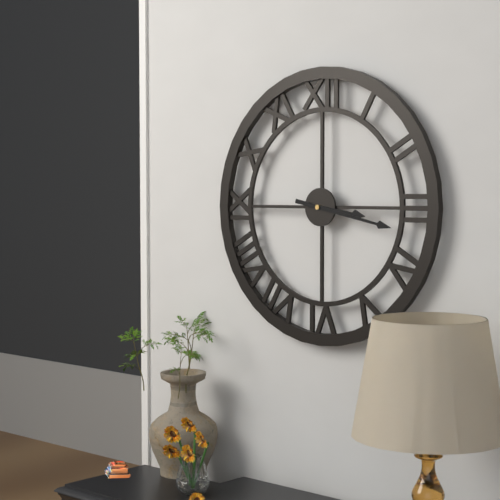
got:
h=3 m=17
